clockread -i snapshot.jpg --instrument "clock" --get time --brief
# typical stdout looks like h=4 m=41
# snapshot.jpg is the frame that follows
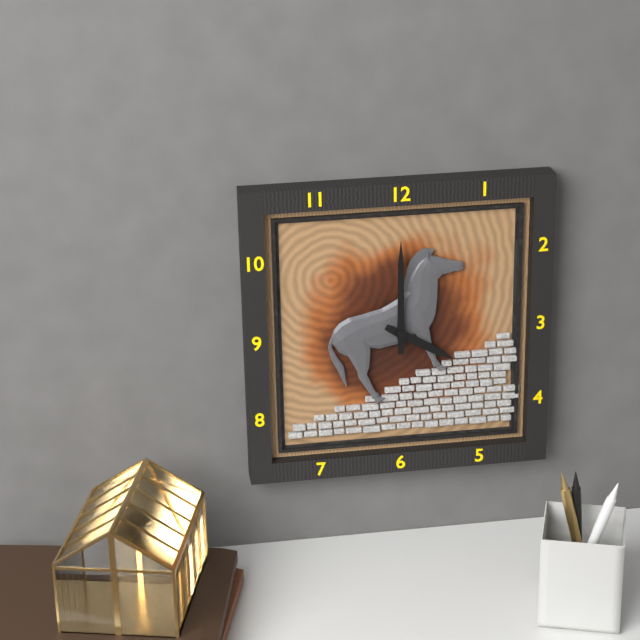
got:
h=4 m=0
